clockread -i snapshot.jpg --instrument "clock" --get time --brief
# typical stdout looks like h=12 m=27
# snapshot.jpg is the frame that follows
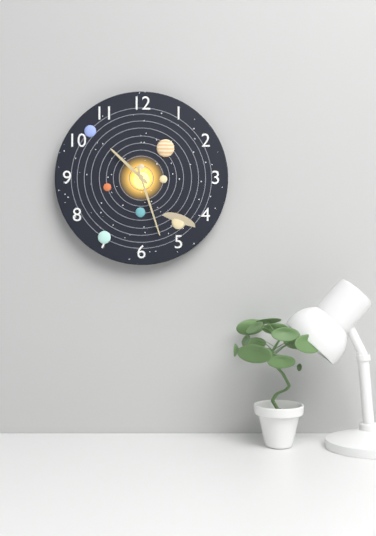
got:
h=10 m=27
